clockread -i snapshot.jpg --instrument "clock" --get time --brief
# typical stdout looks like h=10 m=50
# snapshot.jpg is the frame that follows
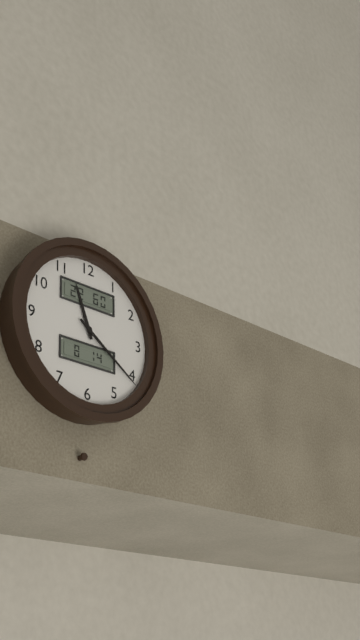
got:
h=11 m=21
